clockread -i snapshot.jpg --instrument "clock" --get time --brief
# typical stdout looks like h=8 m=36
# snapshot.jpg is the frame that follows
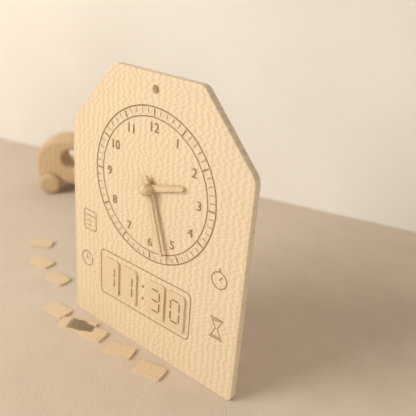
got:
h=2 m=27
